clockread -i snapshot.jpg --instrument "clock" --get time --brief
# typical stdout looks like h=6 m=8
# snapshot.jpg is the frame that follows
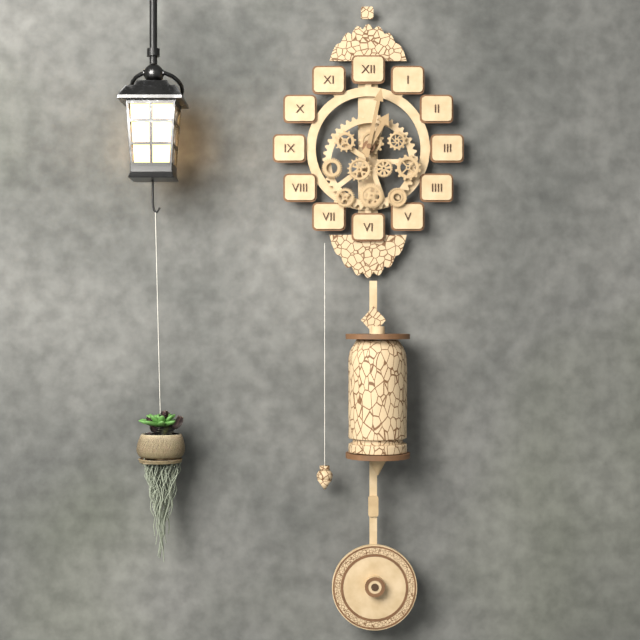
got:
h=1 m=2
